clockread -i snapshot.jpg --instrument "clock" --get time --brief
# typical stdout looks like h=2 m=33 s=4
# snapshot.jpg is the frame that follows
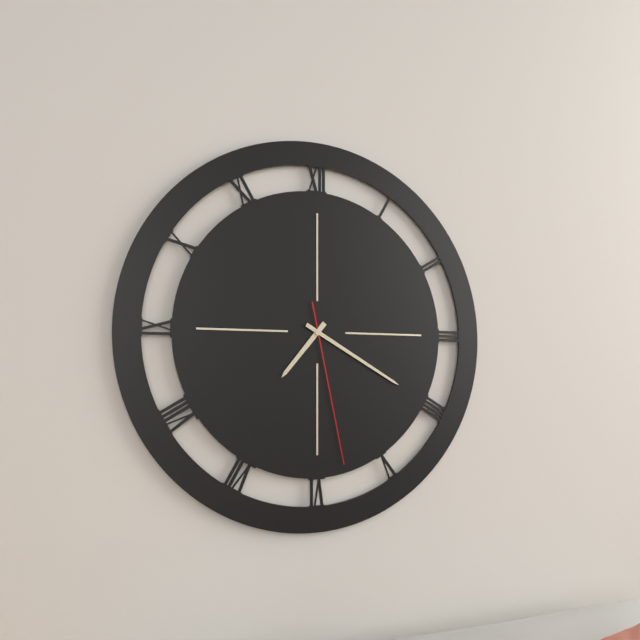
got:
h=7 m=20 s=28
